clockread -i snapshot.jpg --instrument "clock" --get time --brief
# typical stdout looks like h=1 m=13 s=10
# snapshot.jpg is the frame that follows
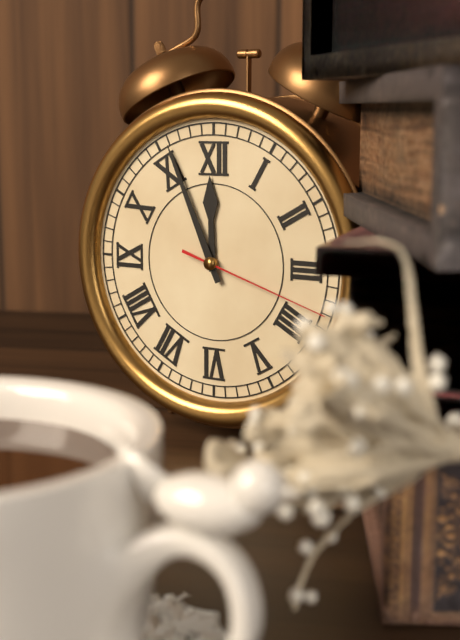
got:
h=11 m=56 s=18
